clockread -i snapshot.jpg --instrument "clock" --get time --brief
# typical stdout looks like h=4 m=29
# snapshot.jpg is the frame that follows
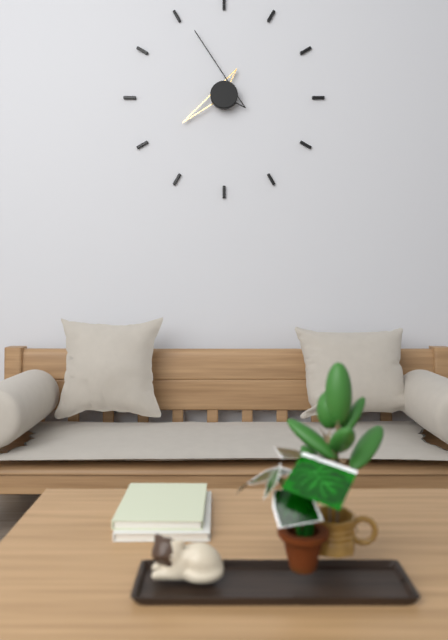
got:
h=7 m=56
